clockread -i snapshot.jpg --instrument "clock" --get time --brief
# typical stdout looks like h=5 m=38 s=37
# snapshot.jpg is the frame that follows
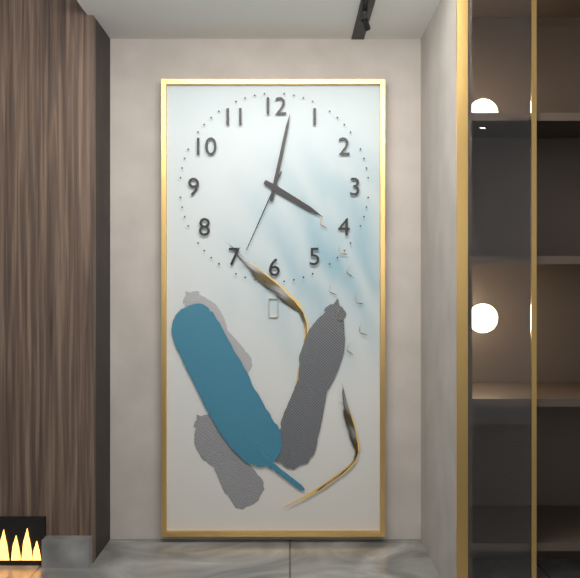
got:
h=4 m=2 s=34
